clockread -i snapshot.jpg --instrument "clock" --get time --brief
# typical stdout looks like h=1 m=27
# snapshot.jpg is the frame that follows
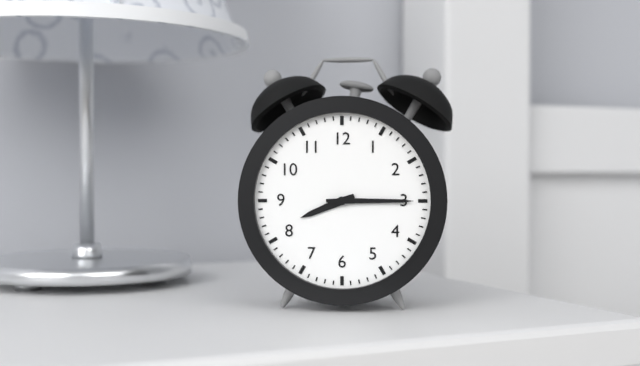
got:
h=8 m=15
